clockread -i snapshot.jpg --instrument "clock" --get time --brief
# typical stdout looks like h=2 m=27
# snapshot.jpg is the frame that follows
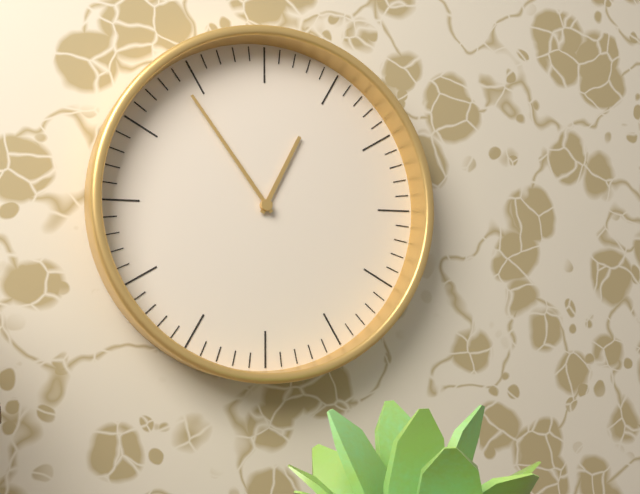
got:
h=12 m=54
